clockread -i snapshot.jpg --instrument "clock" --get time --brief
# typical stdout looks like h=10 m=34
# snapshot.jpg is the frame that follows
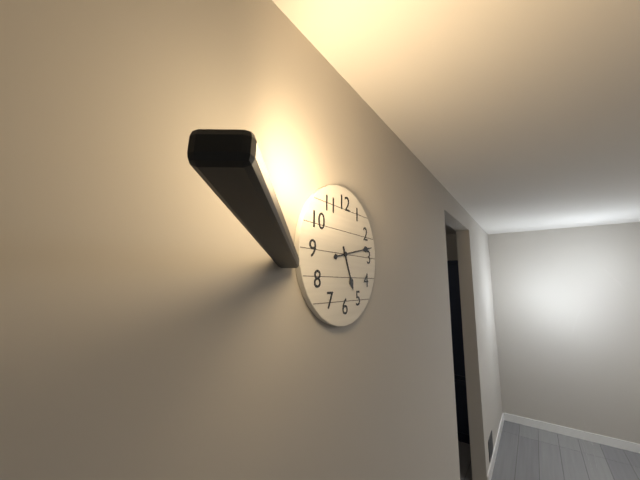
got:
h=5 m=13
